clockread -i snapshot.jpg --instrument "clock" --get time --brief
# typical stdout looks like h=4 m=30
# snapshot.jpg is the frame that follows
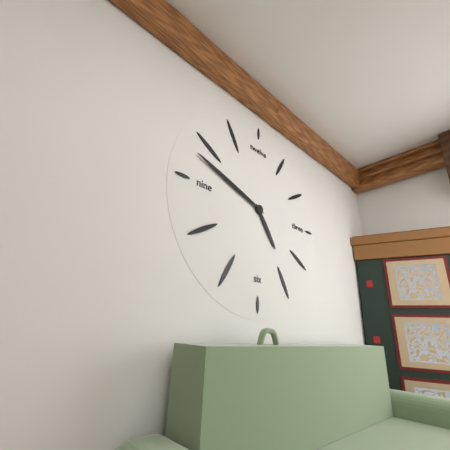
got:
h=4 m=48
